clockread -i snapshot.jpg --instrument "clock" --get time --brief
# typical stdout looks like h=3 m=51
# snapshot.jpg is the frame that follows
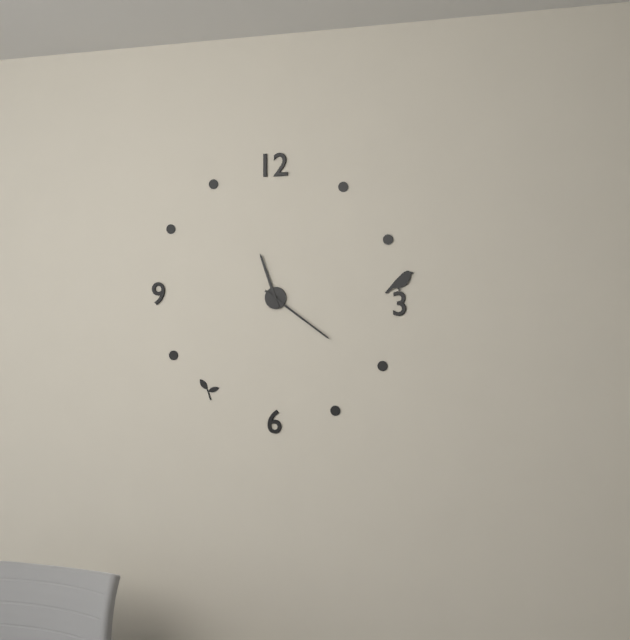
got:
h=11 m=21
